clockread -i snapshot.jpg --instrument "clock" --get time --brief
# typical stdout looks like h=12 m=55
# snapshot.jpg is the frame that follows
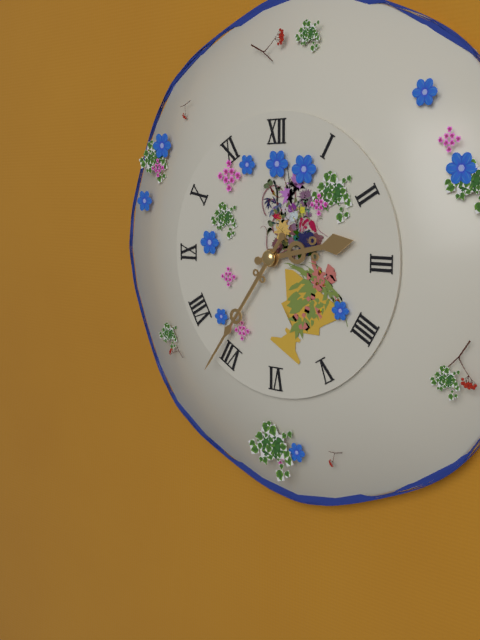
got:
h=2 m=36
